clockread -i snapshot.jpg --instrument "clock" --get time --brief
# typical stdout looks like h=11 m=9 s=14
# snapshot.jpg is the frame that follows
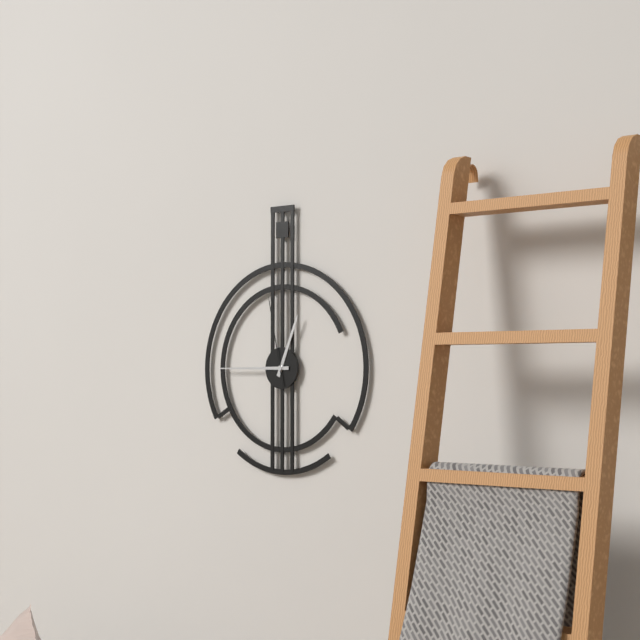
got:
h=12 m=45 s=58
